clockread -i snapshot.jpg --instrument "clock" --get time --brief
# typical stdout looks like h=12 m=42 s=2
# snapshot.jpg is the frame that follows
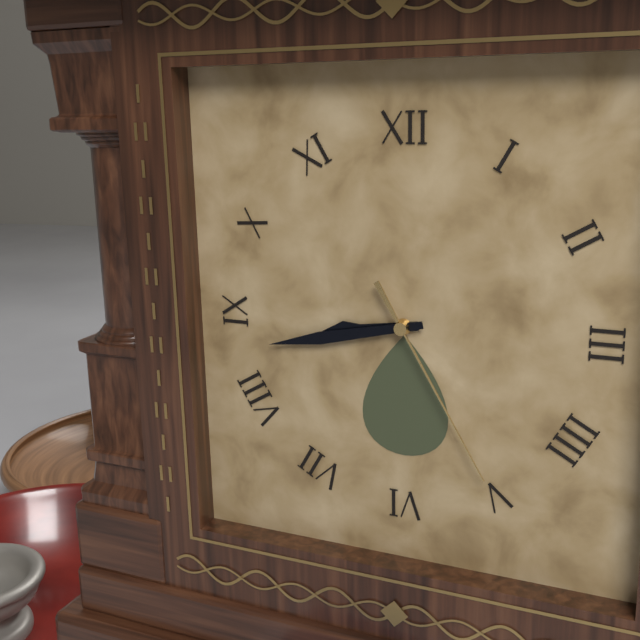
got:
h=8 m=43 s=25
